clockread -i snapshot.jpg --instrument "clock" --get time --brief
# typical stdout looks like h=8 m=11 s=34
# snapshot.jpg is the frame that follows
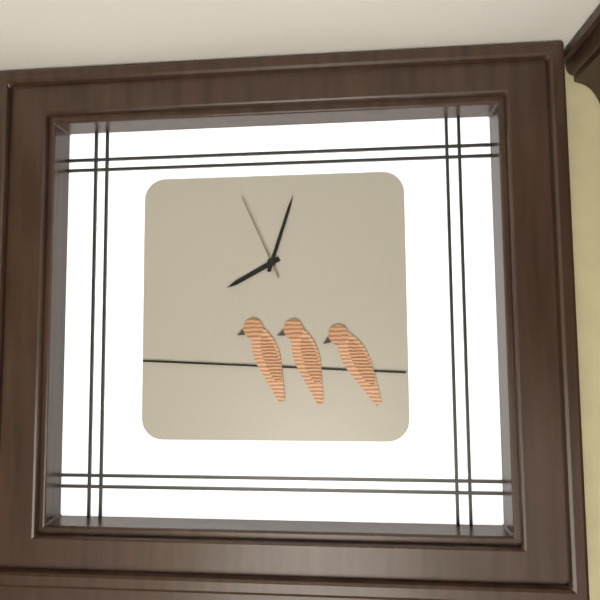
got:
h=8 m=3 s=56
